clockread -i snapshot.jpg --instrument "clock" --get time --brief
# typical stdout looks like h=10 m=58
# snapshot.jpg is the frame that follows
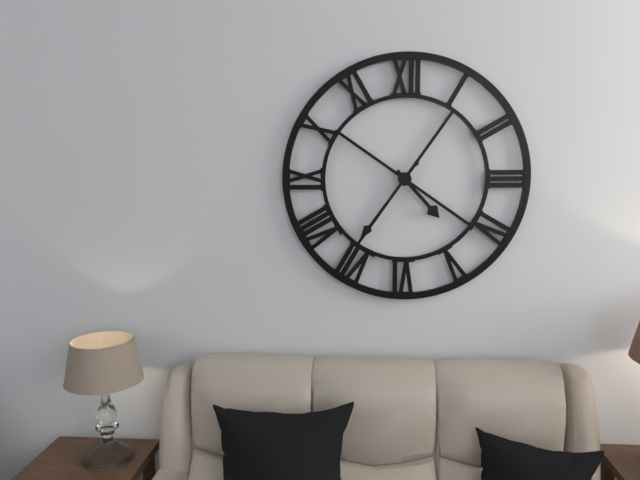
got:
h=4 m=36
